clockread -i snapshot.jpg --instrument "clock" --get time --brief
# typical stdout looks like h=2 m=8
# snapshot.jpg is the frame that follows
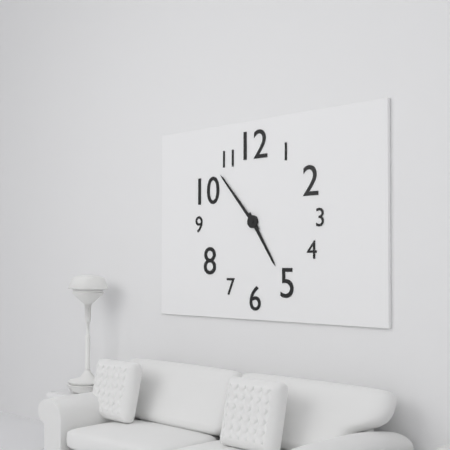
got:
h=4 m=53
